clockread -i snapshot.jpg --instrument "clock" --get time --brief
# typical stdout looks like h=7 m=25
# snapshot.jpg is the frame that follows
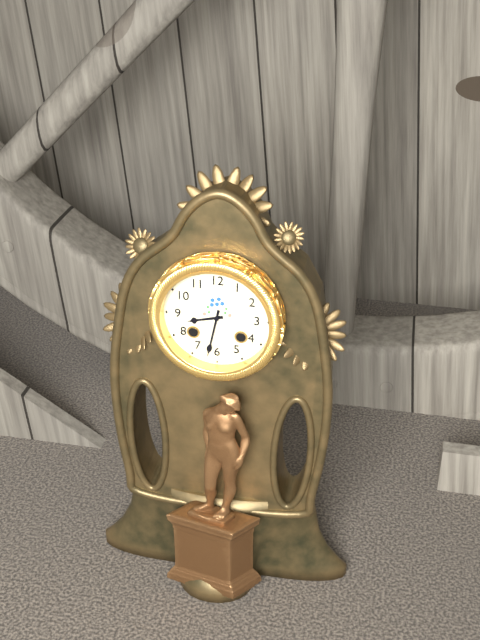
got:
h=8 m=32
